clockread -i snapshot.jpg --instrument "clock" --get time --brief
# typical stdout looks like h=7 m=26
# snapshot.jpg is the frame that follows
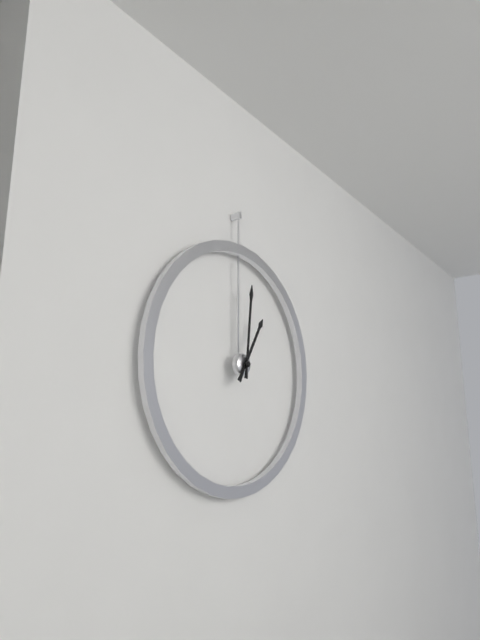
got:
h=1 m=1
